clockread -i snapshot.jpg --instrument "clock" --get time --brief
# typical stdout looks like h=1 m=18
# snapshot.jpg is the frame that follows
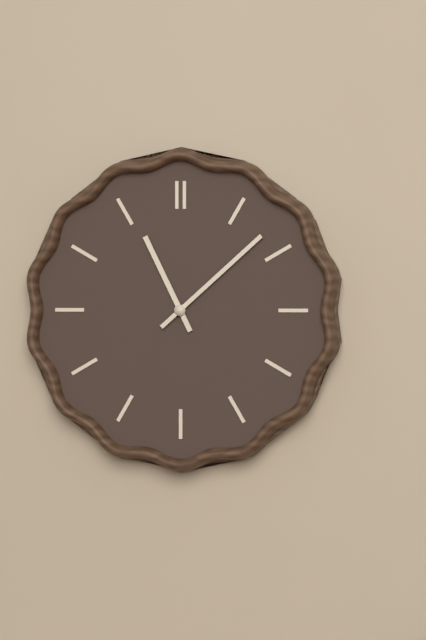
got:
h=11 m=8
